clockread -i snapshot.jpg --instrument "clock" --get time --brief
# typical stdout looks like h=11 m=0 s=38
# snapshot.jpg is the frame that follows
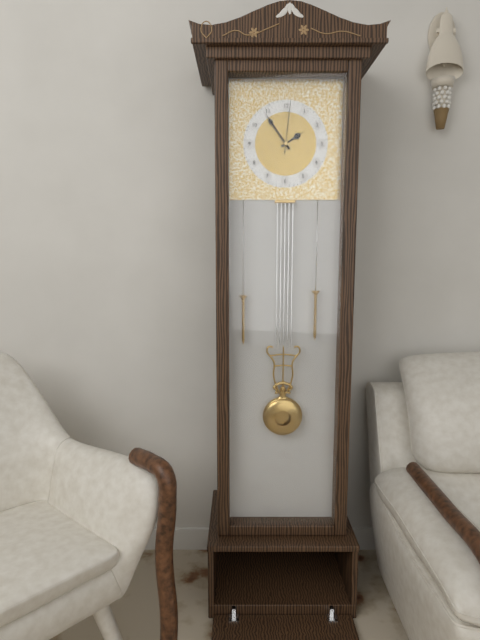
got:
h=1 m=54 s=1
